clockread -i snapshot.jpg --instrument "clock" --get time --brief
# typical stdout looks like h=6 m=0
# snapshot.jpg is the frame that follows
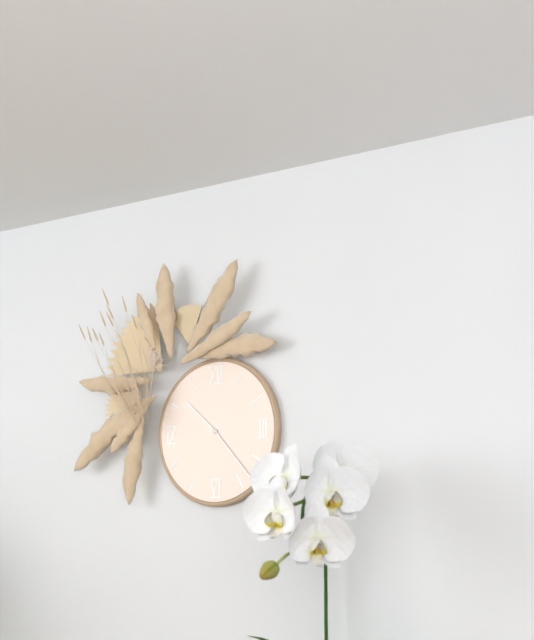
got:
h=10 m=23
